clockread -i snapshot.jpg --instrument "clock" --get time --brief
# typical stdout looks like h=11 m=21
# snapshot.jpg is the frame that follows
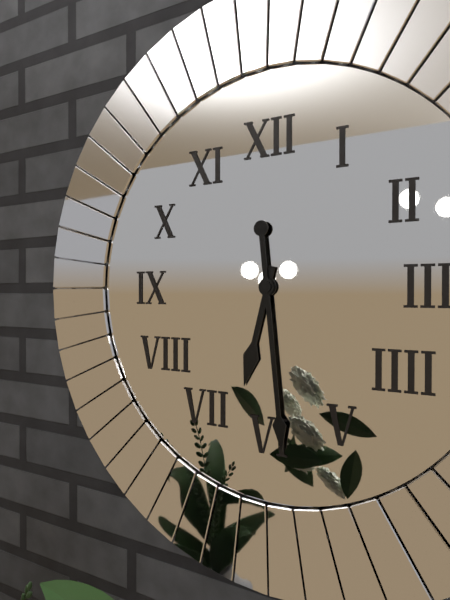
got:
h=6 m=29
